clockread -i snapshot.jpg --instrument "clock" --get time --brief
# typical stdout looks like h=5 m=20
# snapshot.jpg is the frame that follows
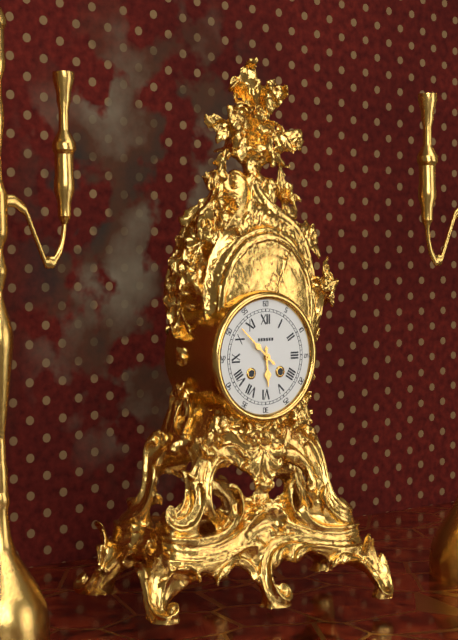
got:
h=5 m=52
